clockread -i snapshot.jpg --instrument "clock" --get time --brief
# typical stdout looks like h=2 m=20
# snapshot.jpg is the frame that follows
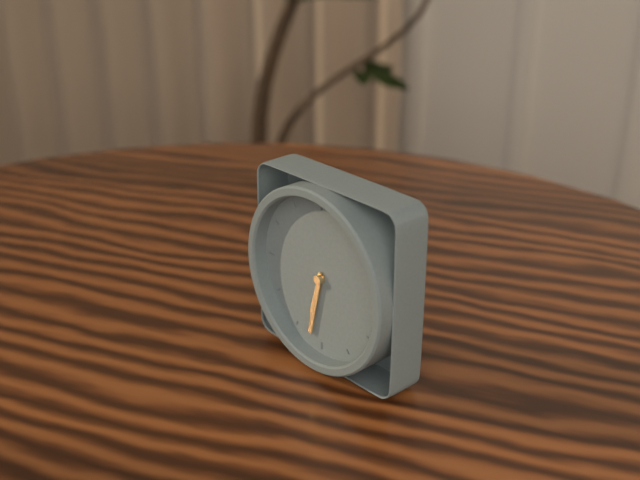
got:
h=6 m=32
